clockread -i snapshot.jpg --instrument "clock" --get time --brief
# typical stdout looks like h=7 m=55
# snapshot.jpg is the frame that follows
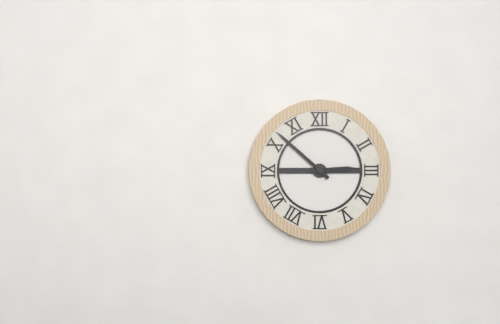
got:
h=2 m=52
